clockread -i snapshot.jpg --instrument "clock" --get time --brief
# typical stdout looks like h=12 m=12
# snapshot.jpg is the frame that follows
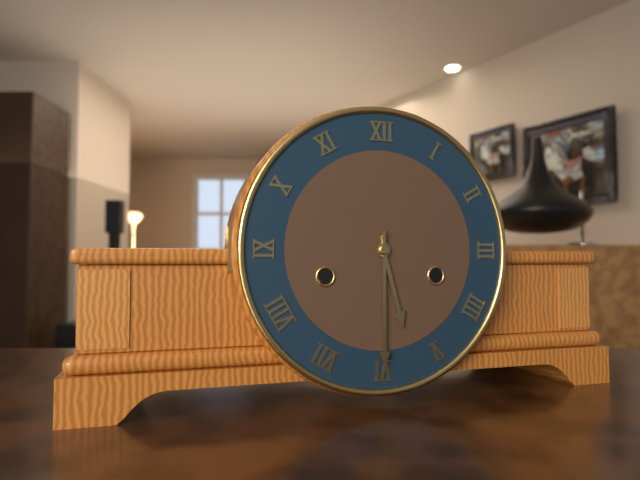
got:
h=5 m=30
